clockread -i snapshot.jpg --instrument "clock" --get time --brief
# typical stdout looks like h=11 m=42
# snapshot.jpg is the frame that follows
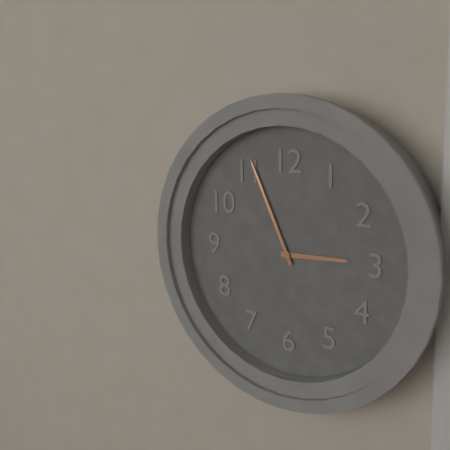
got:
h=2 m=56
